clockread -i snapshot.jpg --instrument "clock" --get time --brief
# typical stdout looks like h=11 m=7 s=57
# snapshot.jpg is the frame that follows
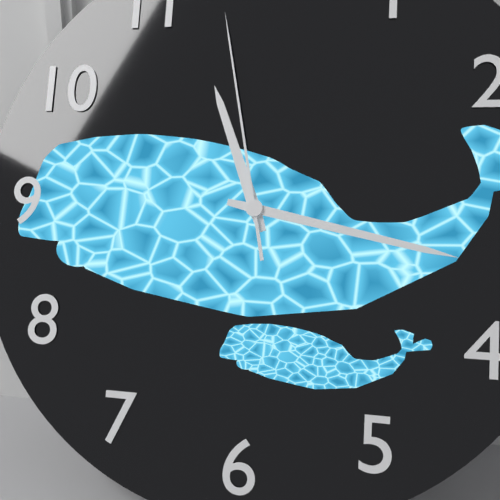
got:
h=11 m=17 s=58
